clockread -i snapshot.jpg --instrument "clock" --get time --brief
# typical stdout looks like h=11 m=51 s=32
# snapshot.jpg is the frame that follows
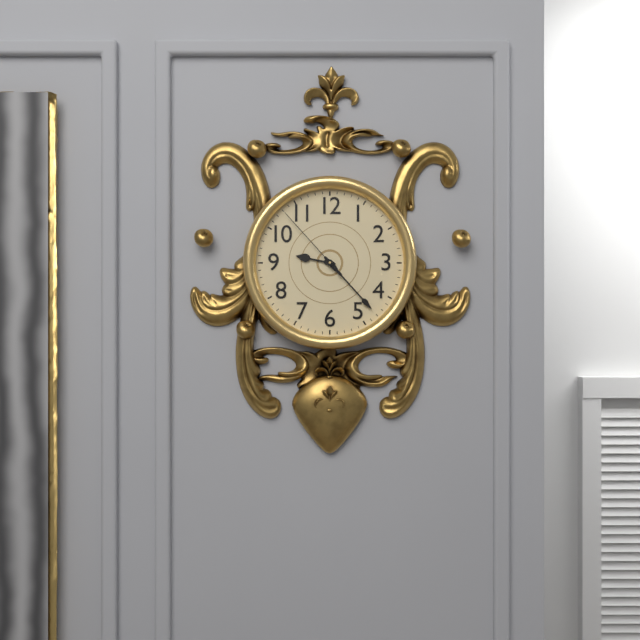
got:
h=9 m=23 s=53
